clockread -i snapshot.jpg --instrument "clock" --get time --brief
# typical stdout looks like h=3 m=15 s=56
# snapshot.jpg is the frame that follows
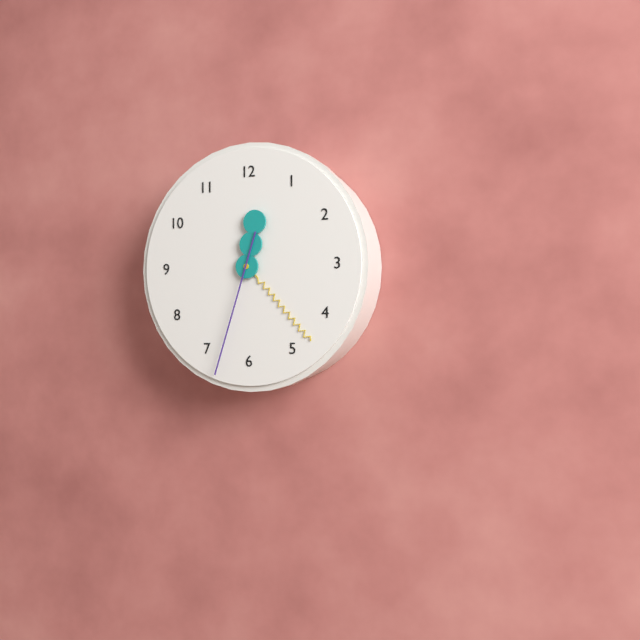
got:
h=12 m=23 s=33
